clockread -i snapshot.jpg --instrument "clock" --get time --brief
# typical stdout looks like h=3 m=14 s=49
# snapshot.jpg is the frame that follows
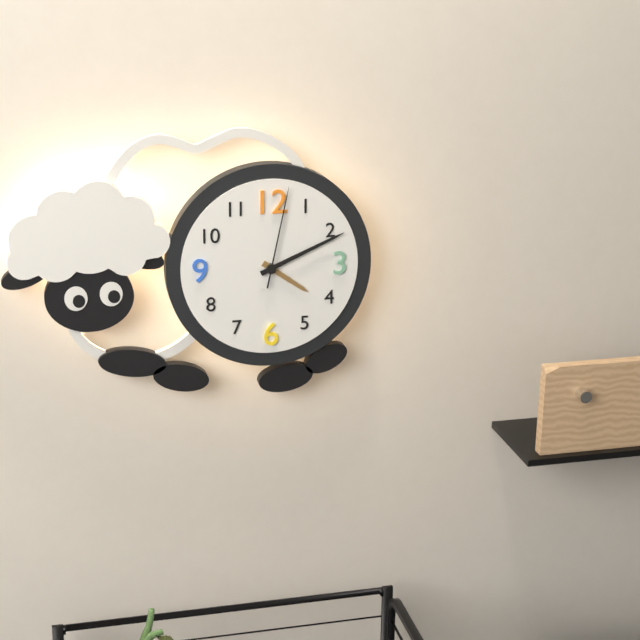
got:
h=4 m=11 s=2
